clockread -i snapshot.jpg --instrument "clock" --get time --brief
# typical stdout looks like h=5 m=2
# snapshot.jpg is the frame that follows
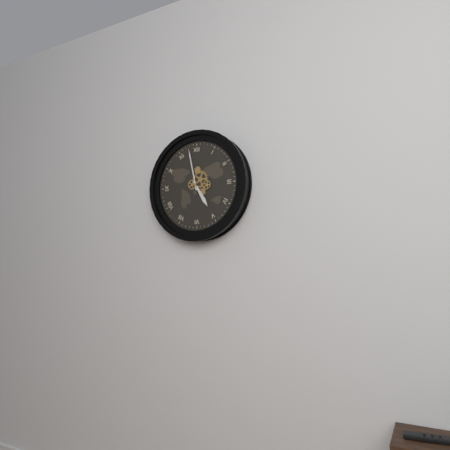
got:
h=4 m=58
